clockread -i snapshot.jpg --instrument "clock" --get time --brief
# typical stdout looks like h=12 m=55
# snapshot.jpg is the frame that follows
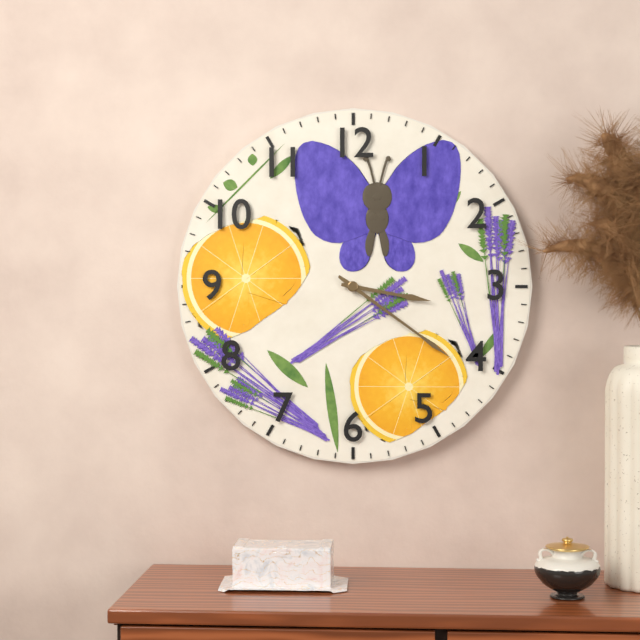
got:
h=3 m=21
